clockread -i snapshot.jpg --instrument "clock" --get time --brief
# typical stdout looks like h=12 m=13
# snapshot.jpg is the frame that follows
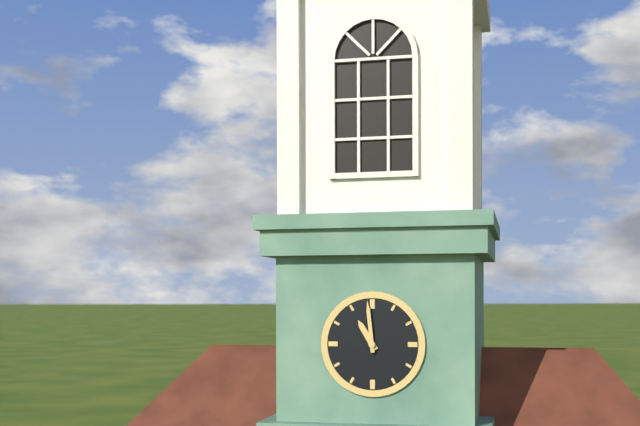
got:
h=10 m=59
